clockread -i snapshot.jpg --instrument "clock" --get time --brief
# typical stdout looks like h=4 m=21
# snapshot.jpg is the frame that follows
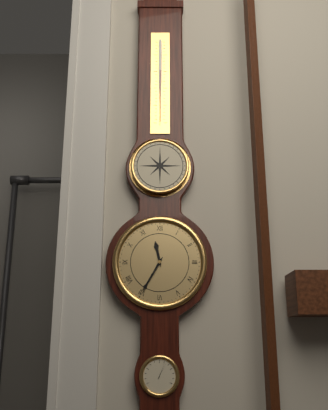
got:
h=11 m=35
